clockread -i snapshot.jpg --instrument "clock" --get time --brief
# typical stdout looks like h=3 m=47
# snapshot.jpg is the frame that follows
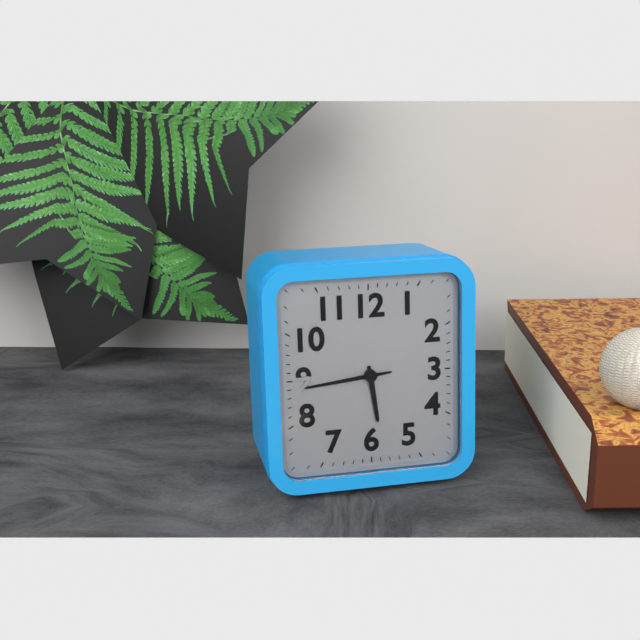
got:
h=5 m=44
